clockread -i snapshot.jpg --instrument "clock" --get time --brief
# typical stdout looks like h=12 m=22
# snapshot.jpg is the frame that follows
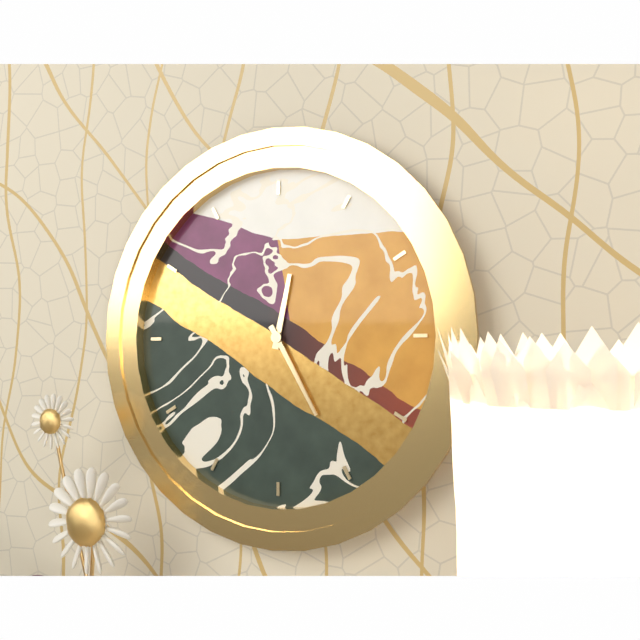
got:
h=12 m=25
